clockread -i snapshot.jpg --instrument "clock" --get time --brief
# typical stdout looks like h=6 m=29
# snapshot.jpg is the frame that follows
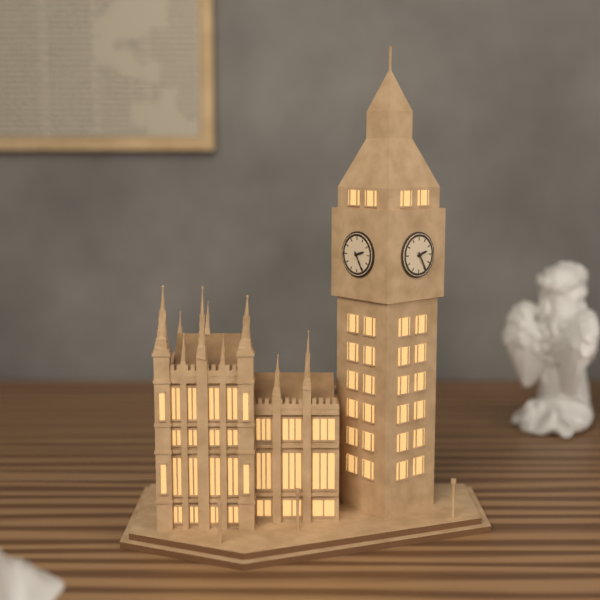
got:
h=2 m=25
